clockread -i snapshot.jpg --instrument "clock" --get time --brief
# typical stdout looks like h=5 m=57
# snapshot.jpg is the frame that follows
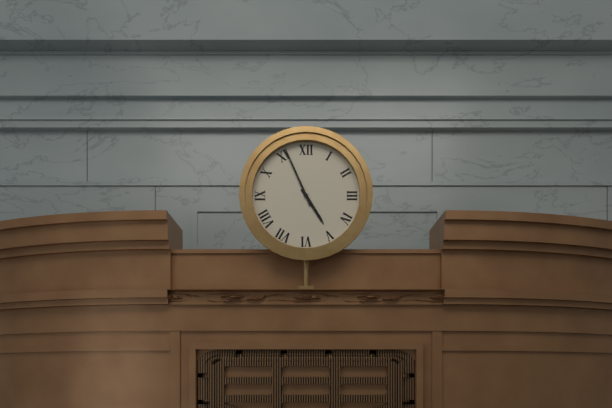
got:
h=4 m=56
